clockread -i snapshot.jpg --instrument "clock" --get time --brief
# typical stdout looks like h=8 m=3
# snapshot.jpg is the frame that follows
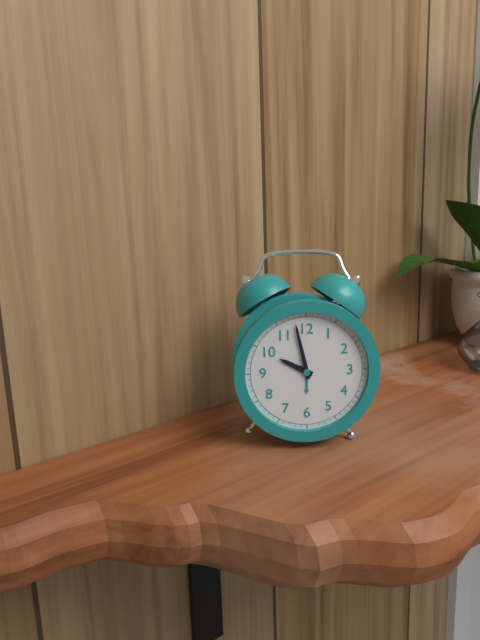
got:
h=9 m=58
